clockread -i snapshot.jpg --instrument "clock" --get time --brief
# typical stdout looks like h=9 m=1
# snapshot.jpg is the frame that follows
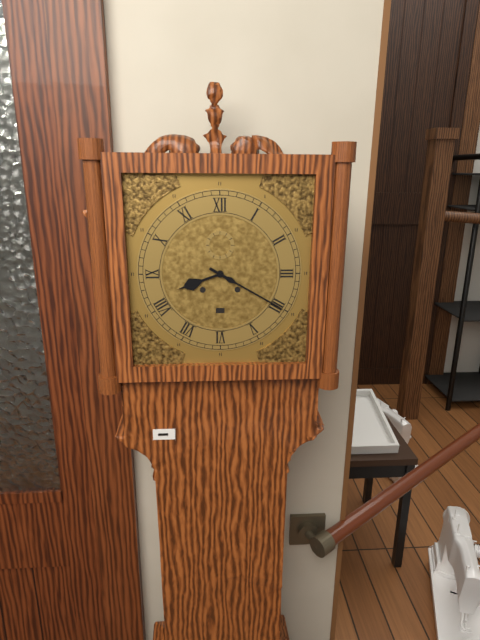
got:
h=8 m=20
